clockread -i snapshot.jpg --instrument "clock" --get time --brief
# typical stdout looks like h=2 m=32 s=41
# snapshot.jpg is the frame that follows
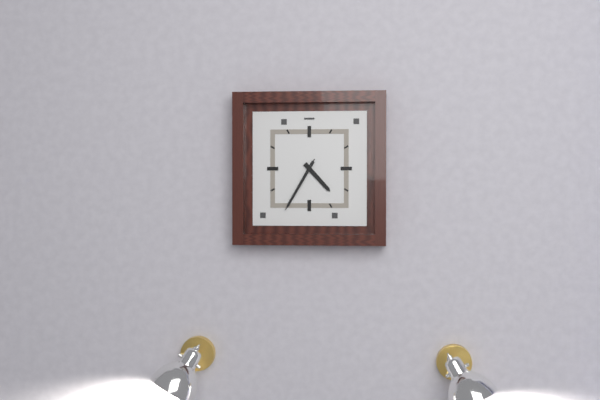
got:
h=4 m=35 s=35
